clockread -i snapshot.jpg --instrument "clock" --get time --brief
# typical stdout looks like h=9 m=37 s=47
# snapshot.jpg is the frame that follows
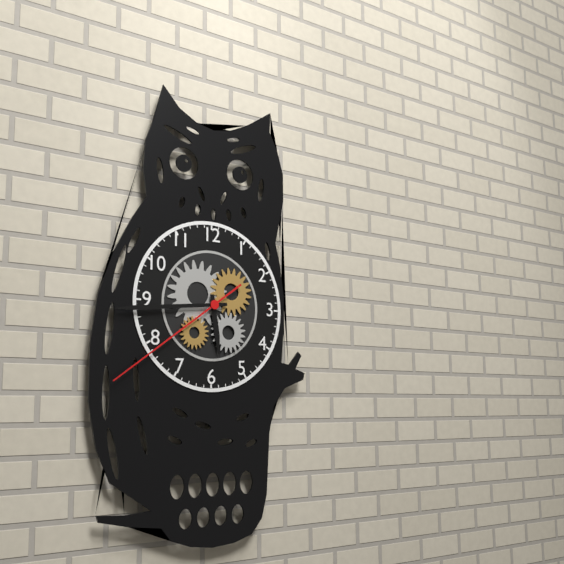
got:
h=5 m=44 s=39
